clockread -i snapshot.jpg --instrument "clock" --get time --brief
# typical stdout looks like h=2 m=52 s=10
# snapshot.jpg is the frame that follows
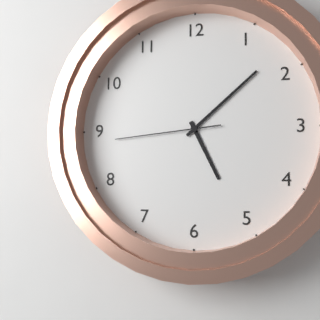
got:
h=5 m=8 s=44
